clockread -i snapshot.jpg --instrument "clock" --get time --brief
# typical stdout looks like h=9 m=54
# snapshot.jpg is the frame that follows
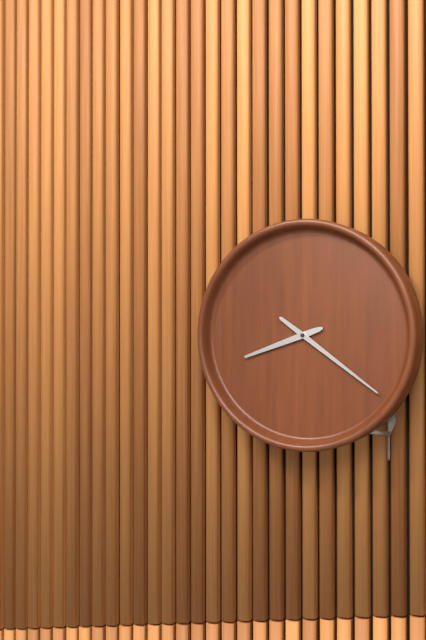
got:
h=8 m=21
